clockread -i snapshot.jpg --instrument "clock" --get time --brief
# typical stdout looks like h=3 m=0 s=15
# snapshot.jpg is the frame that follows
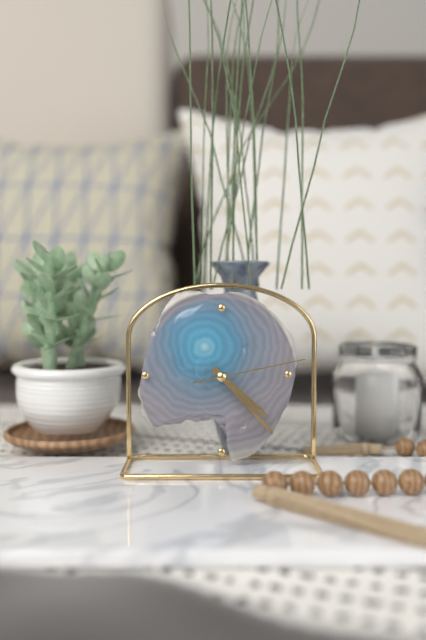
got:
h=4 m=23 s=13
